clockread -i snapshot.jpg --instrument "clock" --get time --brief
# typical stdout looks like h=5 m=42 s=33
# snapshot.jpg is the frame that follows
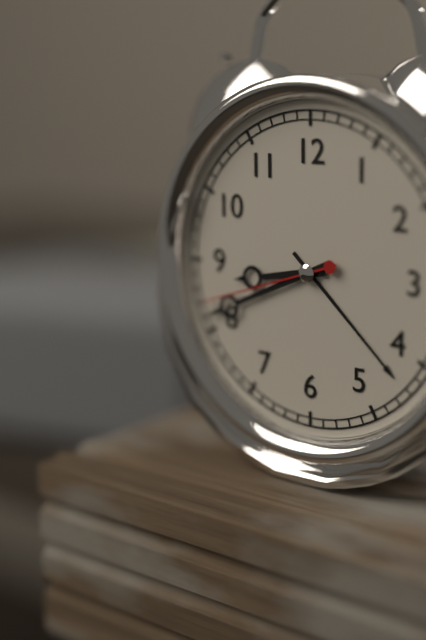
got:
h=8 m=41 s=42
